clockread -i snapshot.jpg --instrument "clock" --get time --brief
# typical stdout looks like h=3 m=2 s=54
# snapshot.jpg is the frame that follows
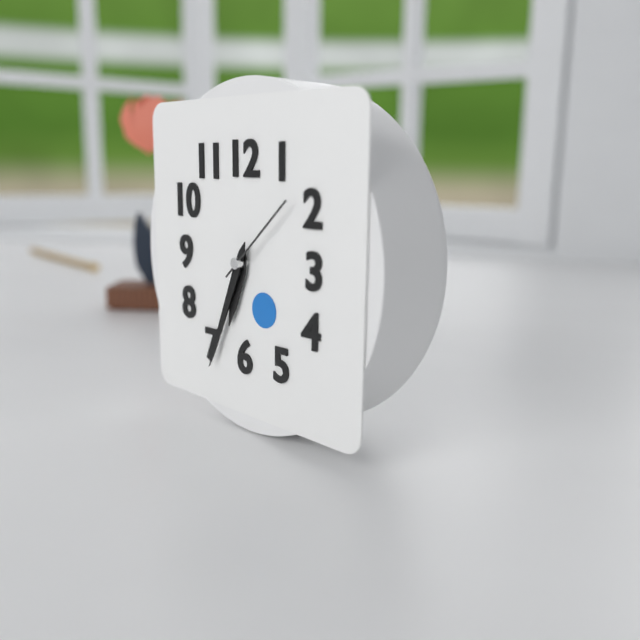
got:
h=6 m=34 s=8
